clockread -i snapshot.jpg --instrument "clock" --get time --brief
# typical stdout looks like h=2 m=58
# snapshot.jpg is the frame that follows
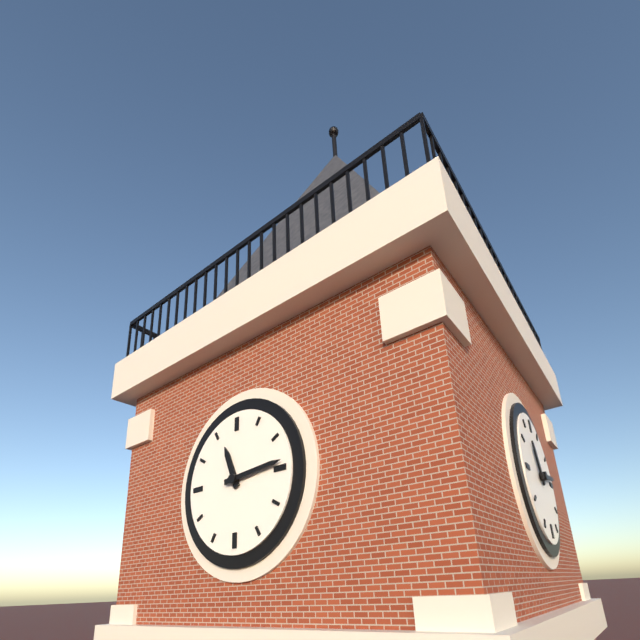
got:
h=11 m=14
